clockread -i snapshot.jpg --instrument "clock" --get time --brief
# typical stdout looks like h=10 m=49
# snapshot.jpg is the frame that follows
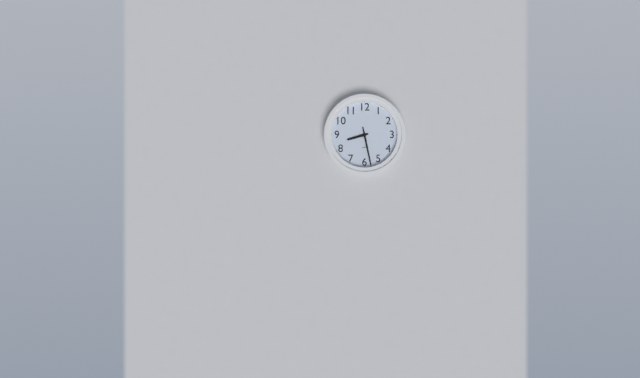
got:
h=8 m=28
